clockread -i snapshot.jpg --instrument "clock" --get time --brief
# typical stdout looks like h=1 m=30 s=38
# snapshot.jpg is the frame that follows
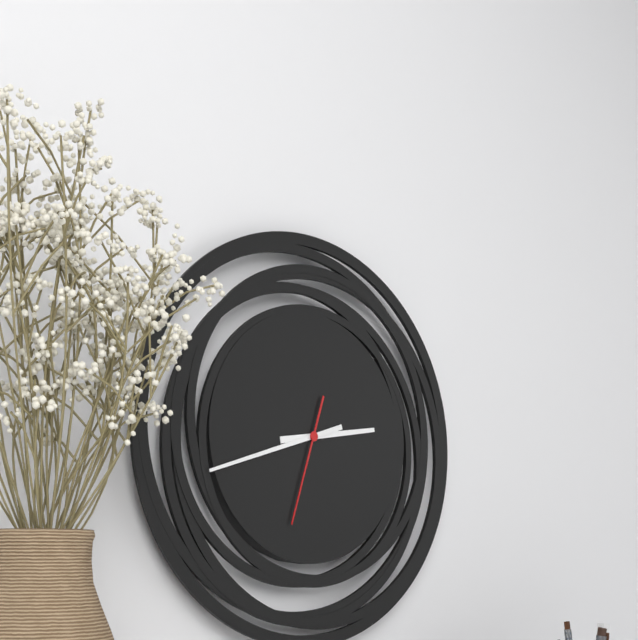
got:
h=2 m=42 s=33
